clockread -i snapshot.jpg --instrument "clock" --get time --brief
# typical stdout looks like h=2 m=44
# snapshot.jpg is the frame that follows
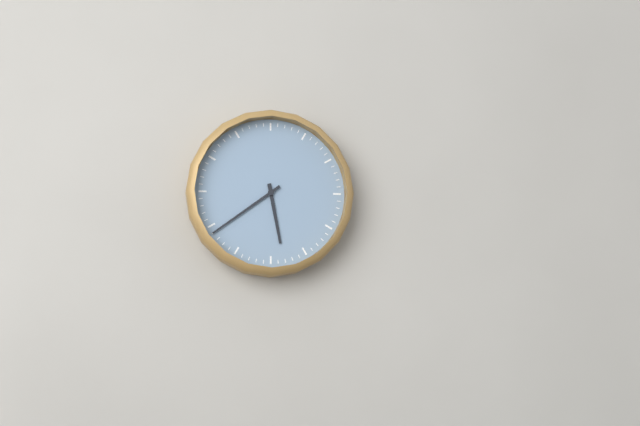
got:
h=5 m=39
